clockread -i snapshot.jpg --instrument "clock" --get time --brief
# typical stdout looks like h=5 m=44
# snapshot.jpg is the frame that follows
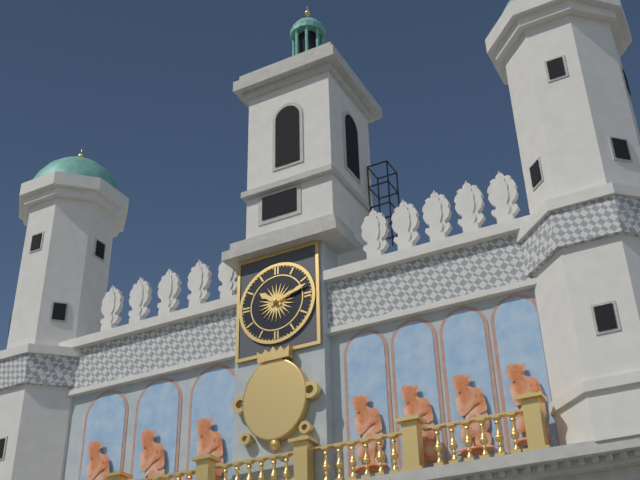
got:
h=10 m=12
